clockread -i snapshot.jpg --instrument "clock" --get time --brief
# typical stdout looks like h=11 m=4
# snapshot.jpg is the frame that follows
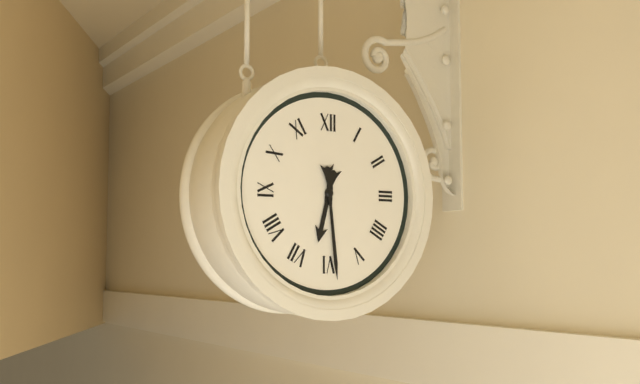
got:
h=6 m=29
